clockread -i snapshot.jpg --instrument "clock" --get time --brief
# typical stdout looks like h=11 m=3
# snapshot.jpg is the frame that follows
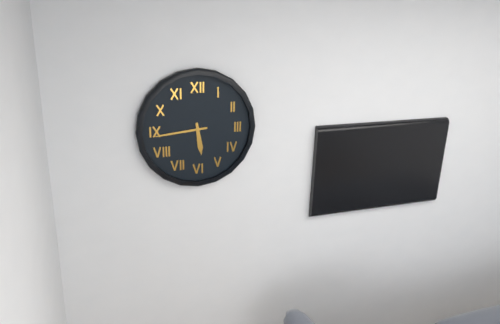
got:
h=5 m=44
